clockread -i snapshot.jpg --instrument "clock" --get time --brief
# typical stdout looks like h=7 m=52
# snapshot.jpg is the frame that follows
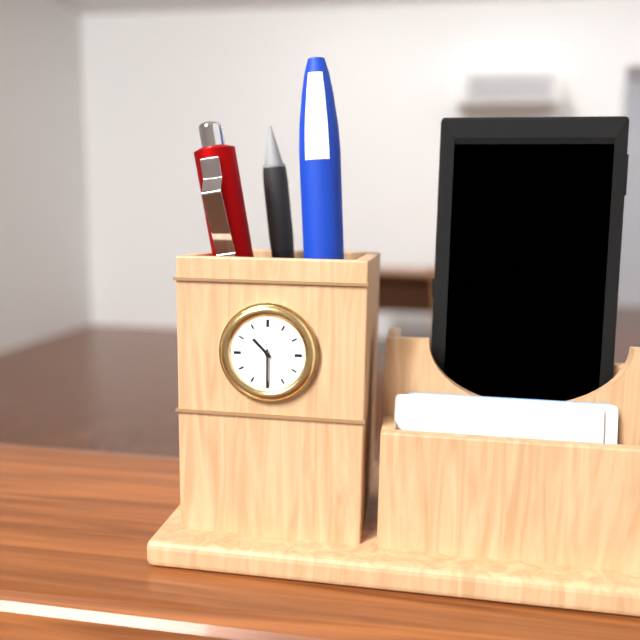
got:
h=10 m=30
